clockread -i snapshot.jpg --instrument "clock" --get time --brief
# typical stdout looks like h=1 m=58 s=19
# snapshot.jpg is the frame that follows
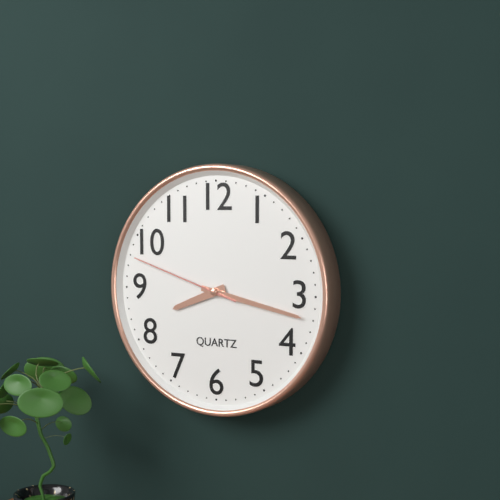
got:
h=8 m=17 s=48
